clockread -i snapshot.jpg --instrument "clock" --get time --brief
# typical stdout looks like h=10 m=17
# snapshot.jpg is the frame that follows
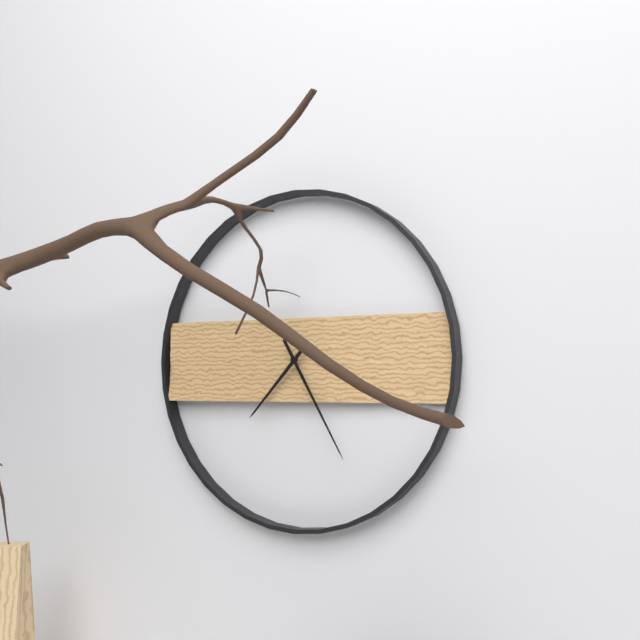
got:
h=7 m=25
